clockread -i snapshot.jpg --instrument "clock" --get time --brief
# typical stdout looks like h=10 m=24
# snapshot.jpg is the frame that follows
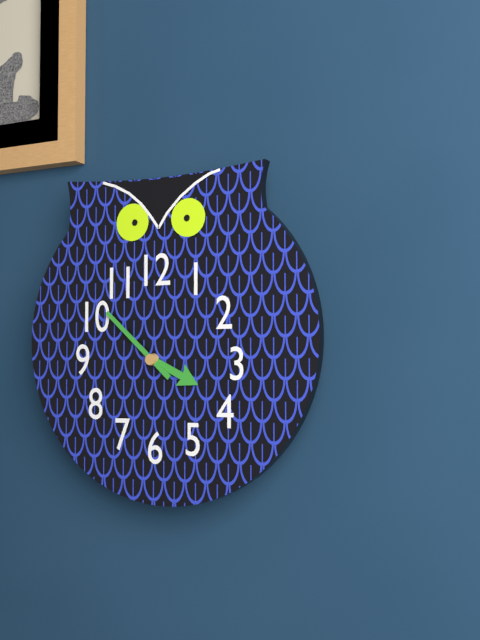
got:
h=3 m=52
